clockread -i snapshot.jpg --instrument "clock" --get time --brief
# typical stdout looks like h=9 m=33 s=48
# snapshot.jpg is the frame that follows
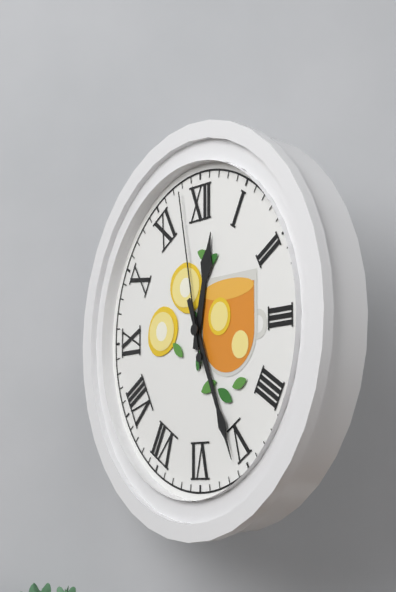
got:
h=12 m=26 s=58
